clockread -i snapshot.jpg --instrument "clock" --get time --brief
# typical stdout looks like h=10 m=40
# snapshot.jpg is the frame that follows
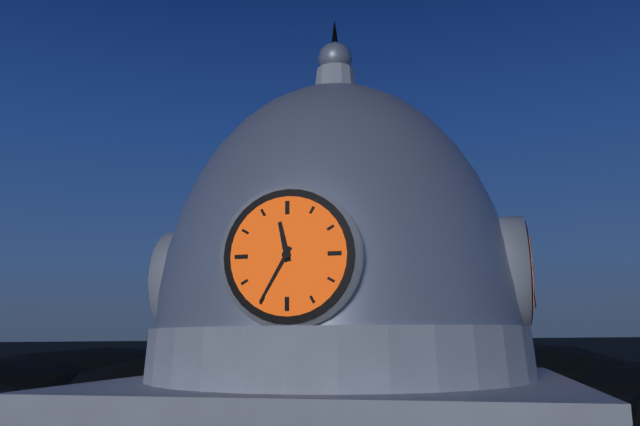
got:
h=11 m=35
